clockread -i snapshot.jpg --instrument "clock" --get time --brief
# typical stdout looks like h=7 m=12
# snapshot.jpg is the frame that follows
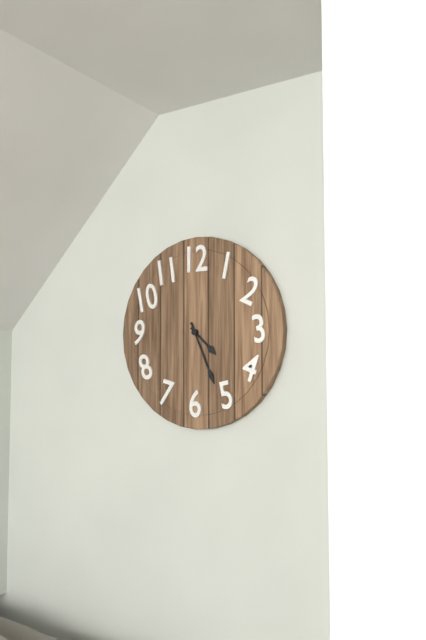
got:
h=4 m=26
